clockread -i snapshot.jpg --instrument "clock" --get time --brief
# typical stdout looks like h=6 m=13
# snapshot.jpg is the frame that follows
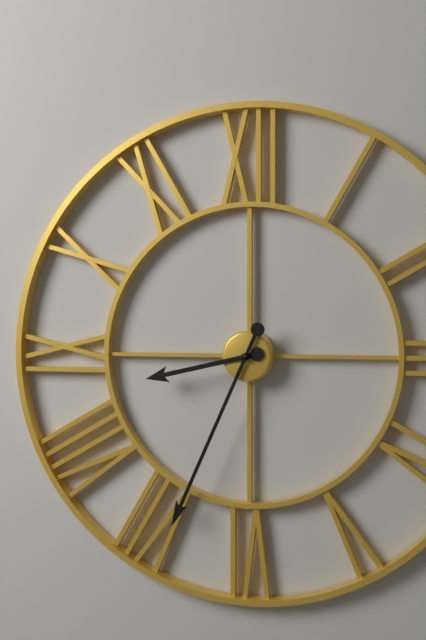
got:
h=8 m=34
